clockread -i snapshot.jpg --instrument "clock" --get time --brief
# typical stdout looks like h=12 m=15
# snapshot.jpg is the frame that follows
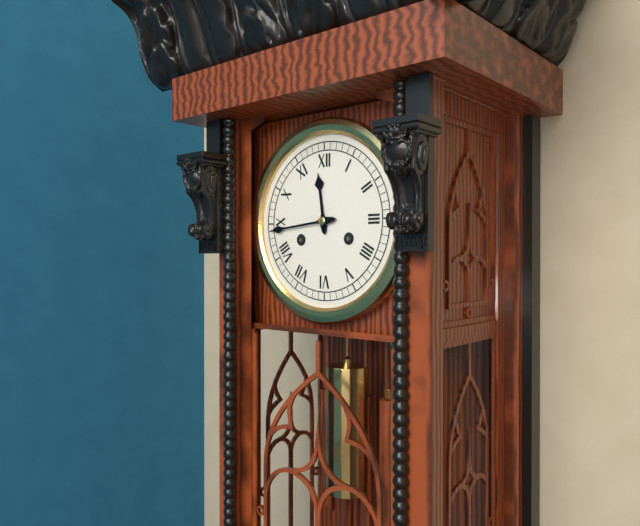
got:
h=11 m=44
